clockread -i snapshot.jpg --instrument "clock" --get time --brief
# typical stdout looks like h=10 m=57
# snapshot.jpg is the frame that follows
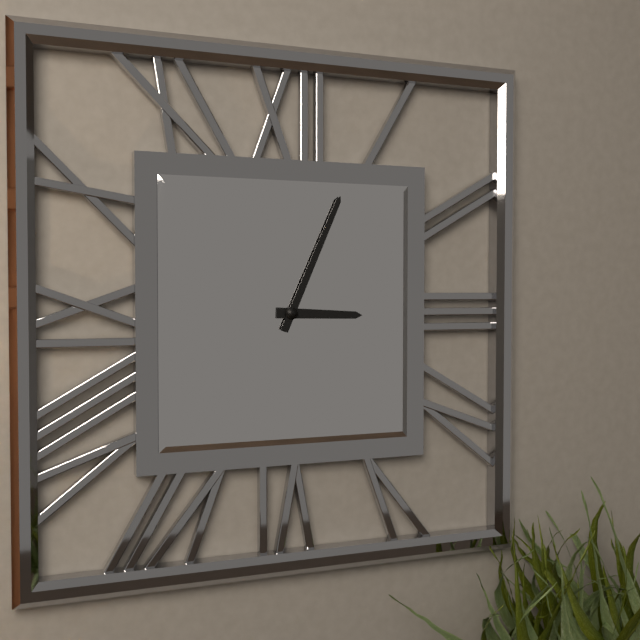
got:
h=3 m=4
